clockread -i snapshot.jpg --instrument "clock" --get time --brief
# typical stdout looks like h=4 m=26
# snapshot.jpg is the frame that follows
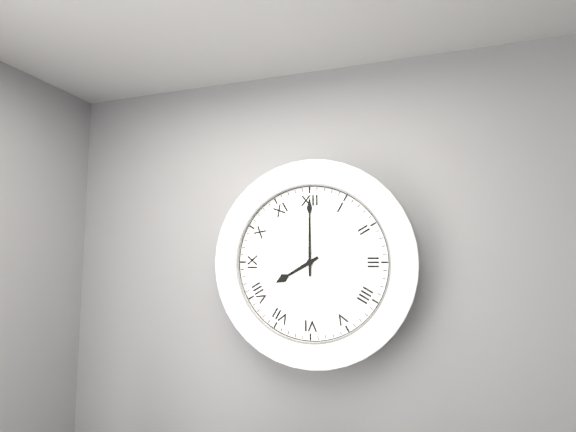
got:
h=8 m=0
